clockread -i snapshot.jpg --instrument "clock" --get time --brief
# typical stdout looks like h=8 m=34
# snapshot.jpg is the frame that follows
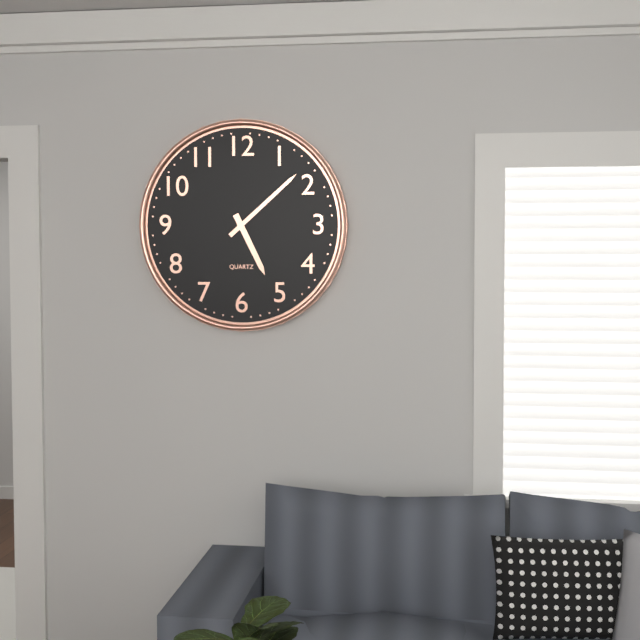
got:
h=5 m=8
